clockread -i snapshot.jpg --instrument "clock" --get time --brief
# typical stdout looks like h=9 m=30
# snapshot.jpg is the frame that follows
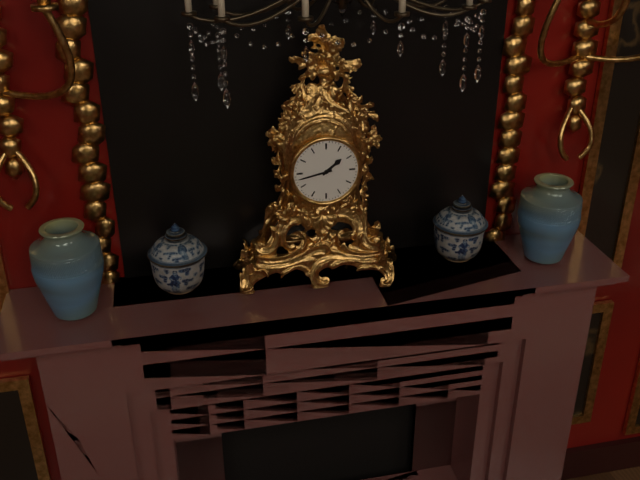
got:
h=1 m=43
